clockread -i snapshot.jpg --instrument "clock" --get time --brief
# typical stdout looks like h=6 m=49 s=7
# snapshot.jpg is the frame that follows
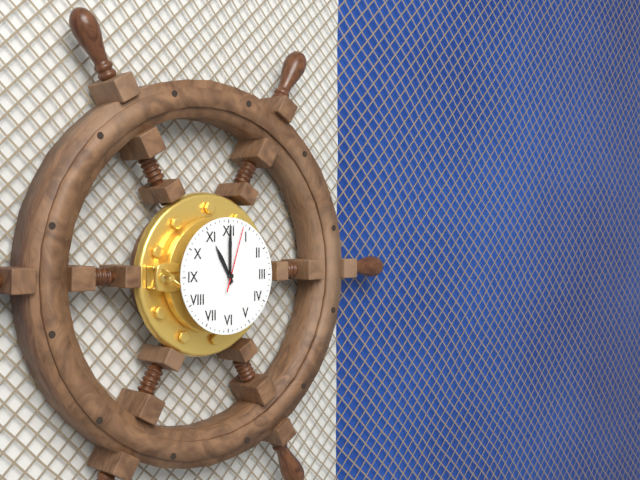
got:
h=11 m=0 s=3
